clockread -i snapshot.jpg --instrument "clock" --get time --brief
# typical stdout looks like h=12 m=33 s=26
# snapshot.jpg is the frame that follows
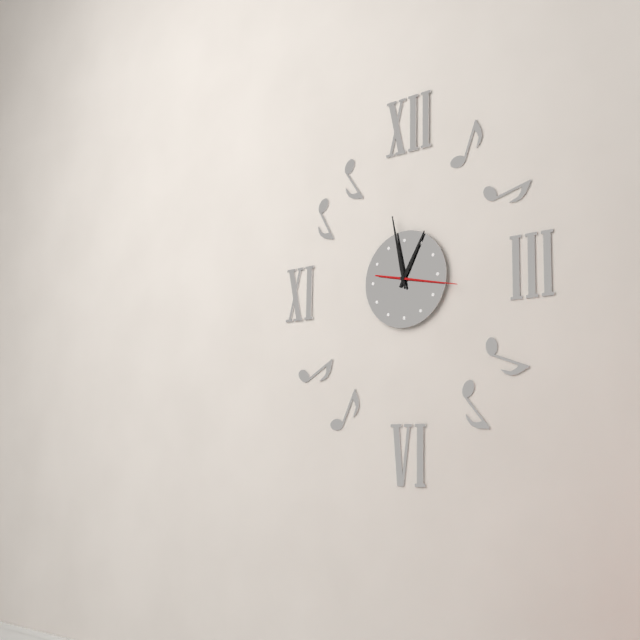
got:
h=12 m=58 s=17
